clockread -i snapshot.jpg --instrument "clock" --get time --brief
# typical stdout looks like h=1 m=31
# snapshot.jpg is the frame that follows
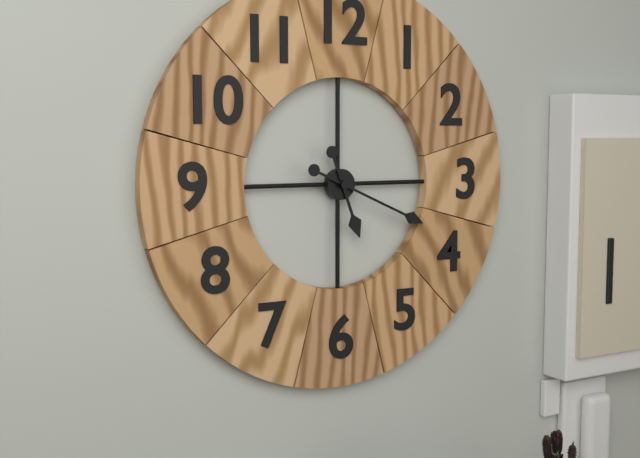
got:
h=5 m=19
